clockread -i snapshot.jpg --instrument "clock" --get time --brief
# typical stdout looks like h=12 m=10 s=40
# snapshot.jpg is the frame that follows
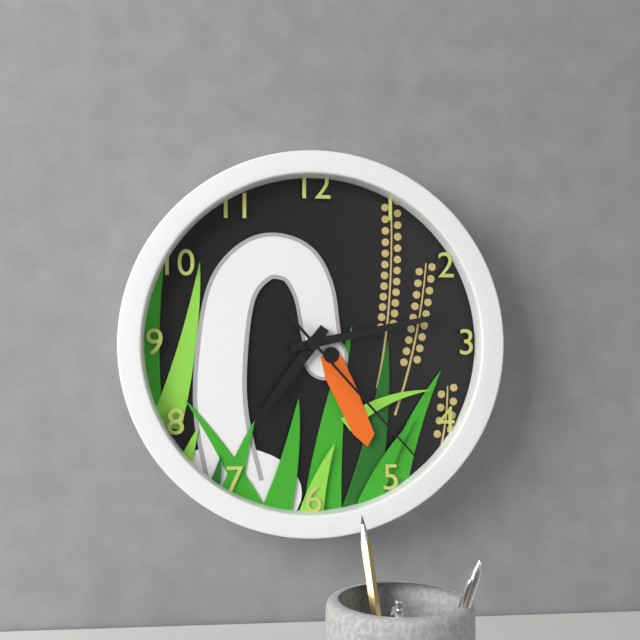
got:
h=7 m=13 s=23
